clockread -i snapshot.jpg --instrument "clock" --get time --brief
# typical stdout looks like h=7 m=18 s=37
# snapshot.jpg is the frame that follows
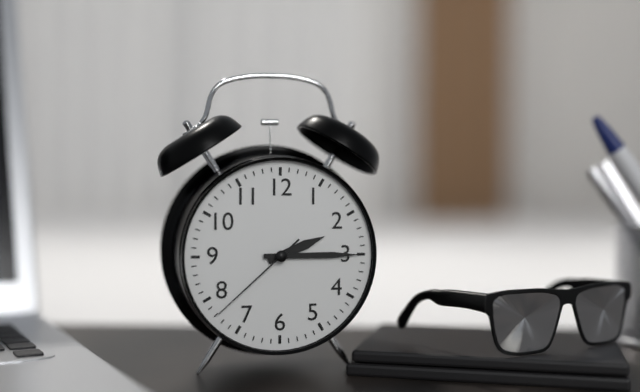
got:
h=2 m=15 s=38
